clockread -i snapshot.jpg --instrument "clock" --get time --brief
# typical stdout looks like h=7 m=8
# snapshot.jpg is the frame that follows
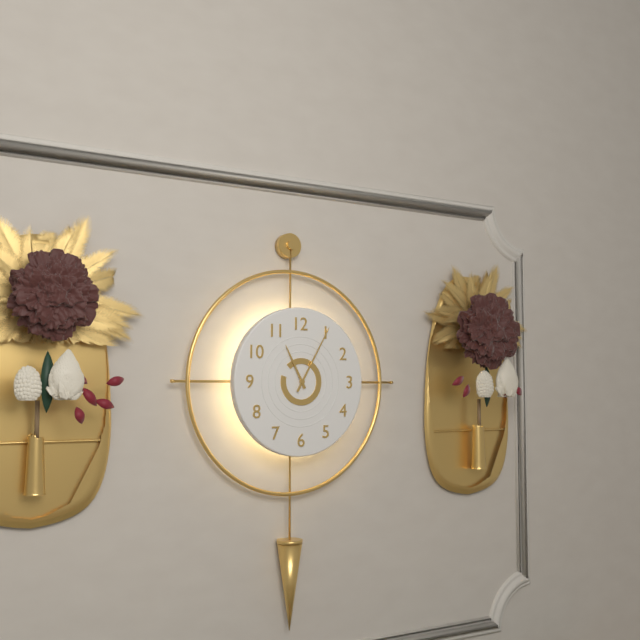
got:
h=11 m=5
